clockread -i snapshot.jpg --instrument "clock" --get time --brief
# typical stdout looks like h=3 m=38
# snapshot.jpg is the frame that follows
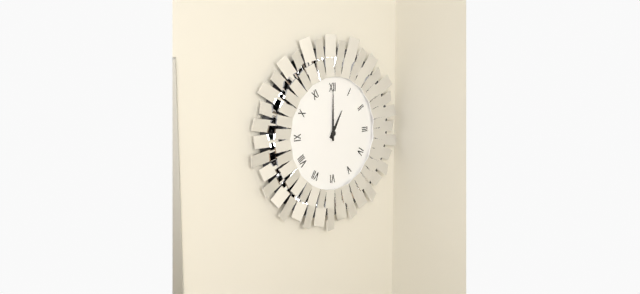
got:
h=1 m=0
